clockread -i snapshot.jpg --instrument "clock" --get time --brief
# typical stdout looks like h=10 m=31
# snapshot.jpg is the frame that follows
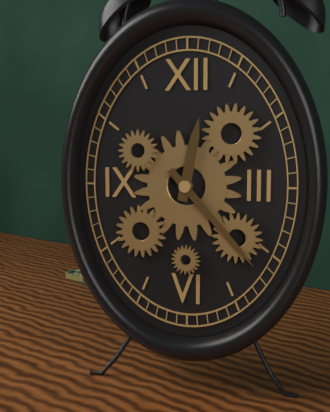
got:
h=12 m=23
